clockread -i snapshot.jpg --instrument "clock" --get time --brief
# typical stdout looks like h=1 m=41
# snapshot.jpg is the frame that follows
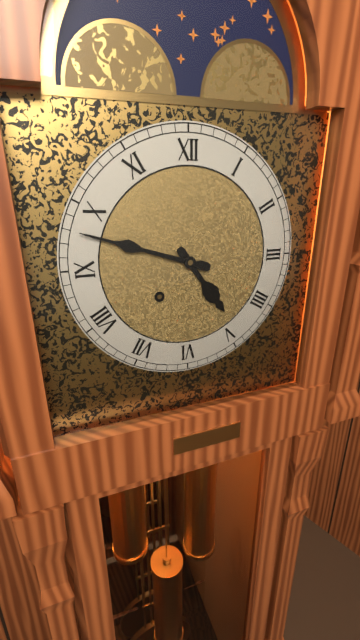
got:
h=4 m=48
